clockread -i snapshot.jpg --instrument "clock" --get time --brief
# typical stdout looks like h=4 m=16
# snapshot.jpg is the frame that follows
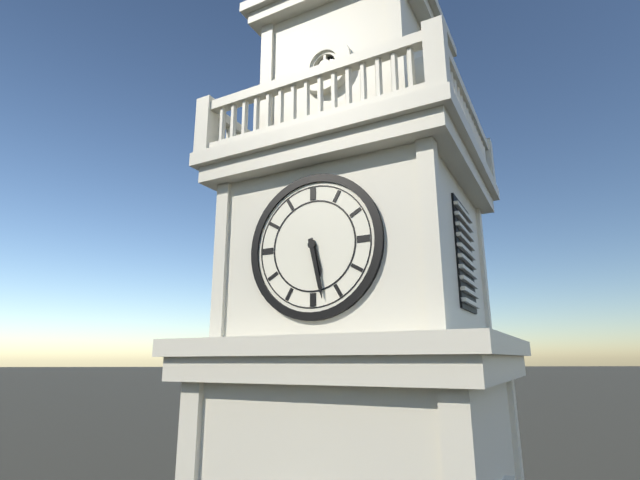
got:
h=5 m=28
